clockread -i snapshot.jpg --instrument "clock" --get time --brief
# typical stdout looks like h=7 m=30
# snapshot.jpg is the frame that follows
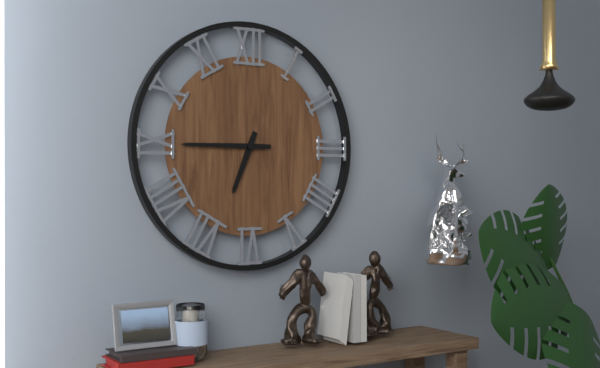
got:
h=6 m=45
